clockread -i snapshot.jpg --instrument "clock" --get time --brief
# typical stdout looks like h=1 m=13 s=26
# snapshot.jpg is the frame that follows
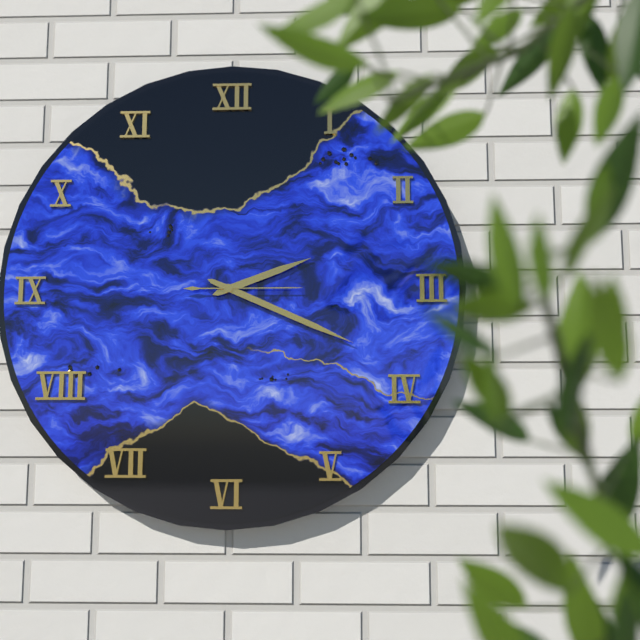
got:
h=2 m=19 s=15
